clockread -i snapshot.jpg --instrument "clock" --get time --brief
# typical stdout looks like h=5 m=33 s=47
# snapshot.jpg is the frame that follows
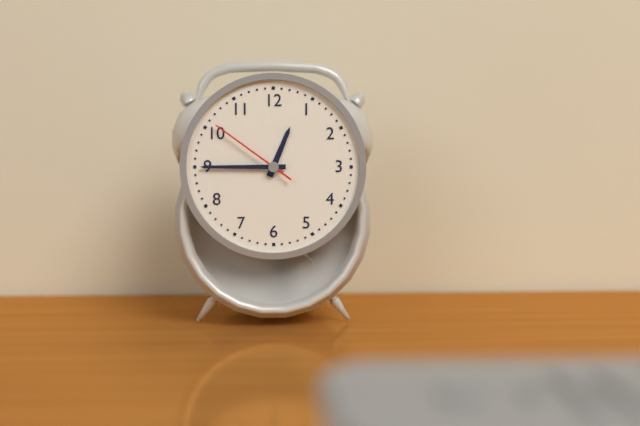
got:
h=12 m=45 s=51
